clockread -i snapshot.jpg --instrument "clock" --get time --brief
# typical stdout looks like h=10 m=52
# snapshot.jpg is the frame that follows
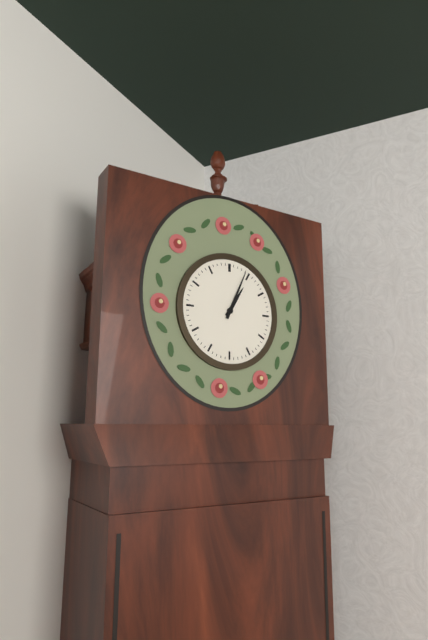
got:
h=1 m=4
